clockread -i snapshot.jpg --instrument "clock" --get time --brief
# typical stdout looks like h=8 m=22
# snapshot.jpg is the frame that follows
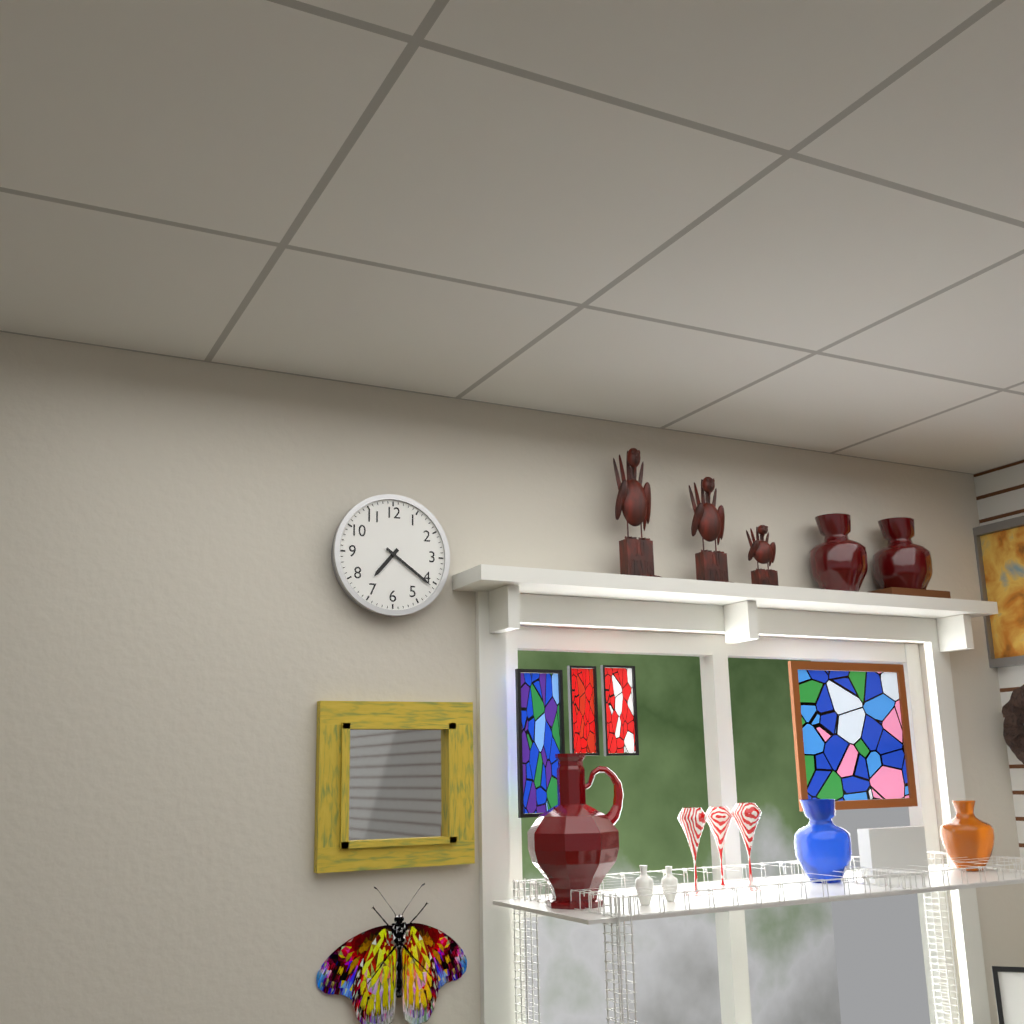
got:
h=7 m=21
